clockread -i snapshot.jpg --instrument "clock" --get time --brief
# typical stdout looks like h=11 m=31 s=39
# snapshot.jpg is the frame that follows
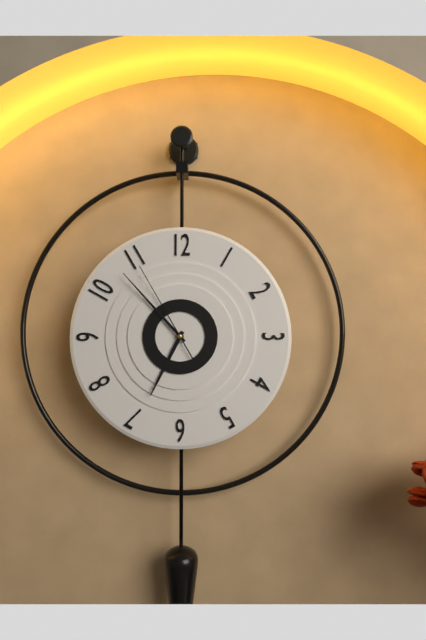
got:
h=6 m=53 s=55
